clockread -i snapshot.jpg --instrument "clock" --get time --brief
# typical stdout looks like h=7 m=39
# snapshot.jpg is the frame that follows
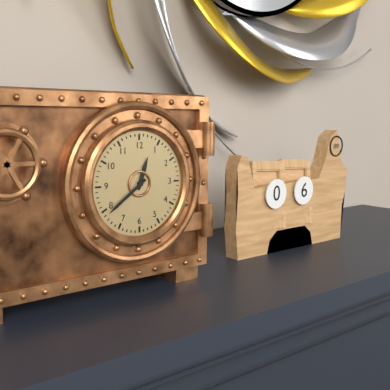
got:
h=12 m=39
